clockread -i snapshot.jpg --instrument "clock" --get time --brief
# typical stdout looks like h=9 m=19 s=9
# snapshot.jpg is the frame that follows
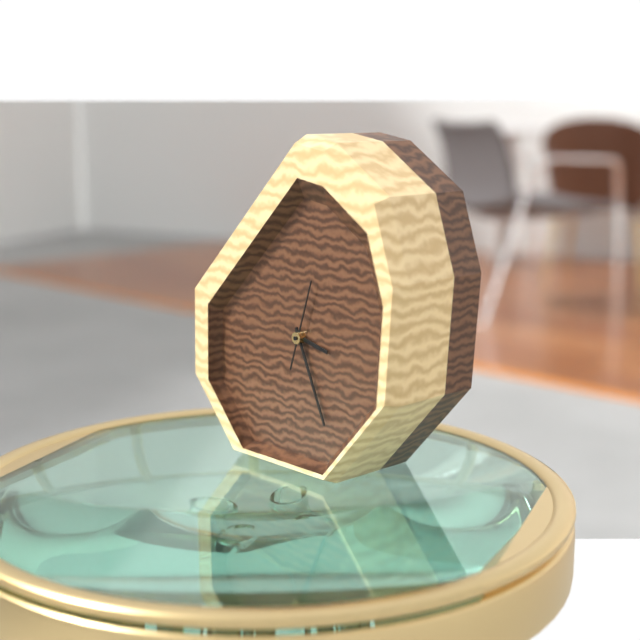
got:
h=3 m=26 s=3
